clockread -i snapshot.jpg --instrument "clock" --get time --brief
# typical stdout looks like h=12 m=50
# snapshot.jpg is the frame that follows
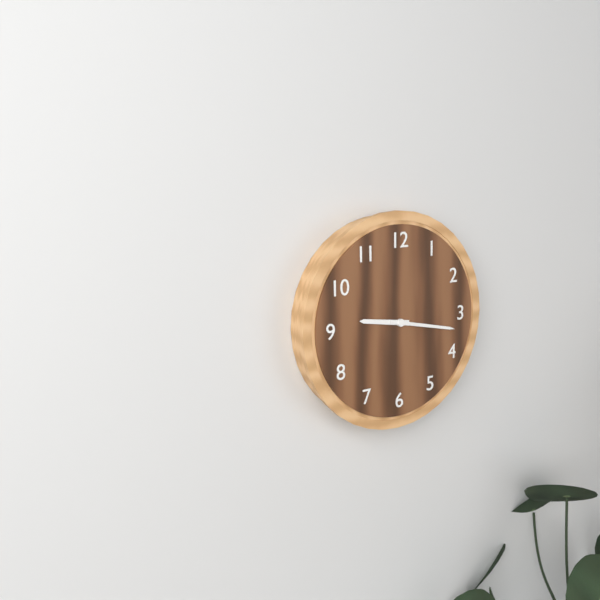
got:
h=9 m=17
